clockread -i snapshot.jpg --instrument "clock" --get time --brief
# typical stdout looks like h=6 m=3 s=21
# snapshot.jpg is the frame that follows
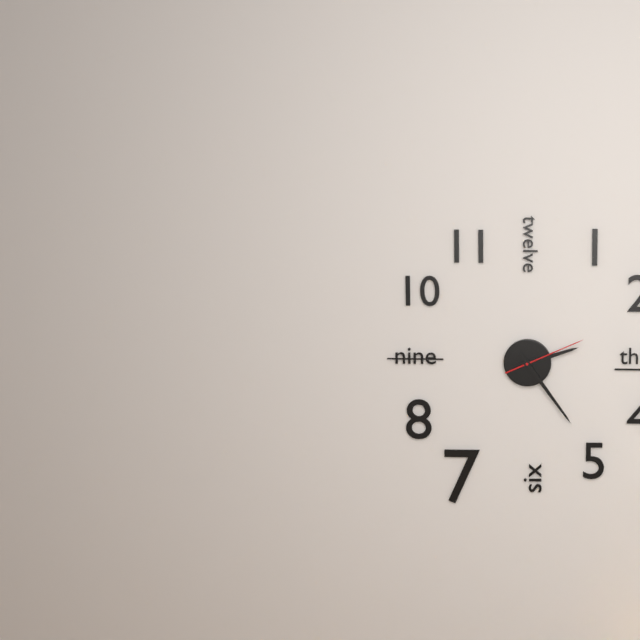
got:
h=2 m=24 s=11
